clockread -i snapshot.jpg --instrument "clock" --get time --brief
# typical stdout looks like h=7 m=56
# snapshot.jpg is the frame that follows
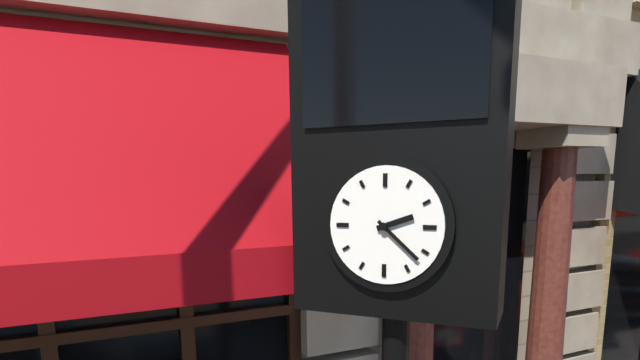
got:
h=2 m=22
